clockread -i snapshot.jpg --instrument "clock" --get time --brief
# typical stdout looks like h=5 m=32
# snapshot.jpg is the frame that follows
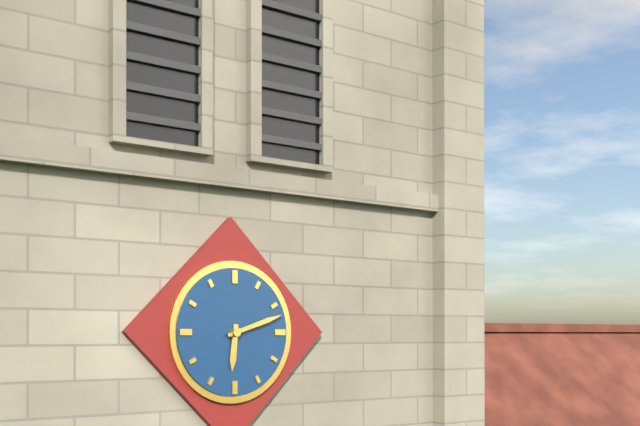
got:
h=6 m=12
